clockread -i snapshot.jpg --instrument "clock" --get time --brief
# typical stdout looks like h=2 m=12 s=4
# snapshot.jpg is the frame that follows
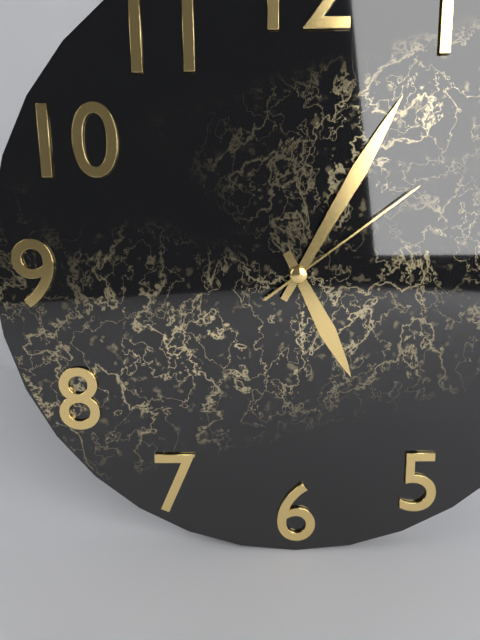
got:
h=5 m=5 s=9
